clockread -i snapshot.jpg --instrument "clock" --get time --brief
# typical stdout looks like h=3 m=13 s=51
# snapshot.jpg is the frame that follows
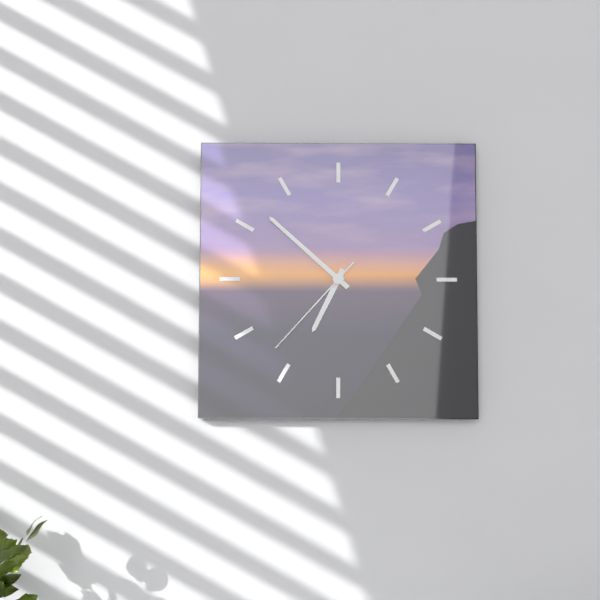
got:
h=6 m=52 s=37
